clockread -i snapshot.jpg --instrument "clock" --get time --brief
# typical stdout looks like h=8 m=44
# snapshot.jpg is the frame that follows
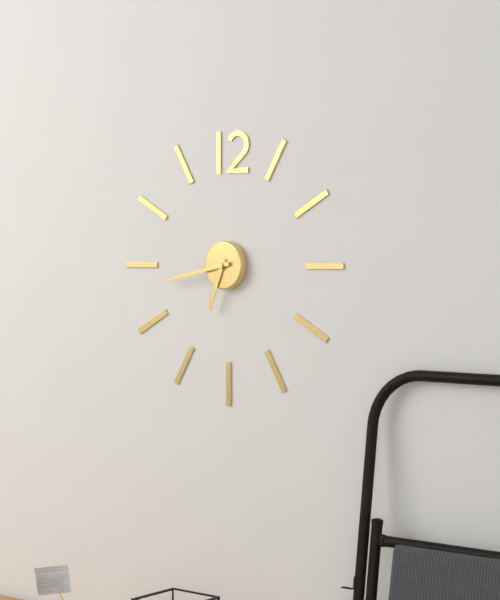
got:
h=6 m=43
